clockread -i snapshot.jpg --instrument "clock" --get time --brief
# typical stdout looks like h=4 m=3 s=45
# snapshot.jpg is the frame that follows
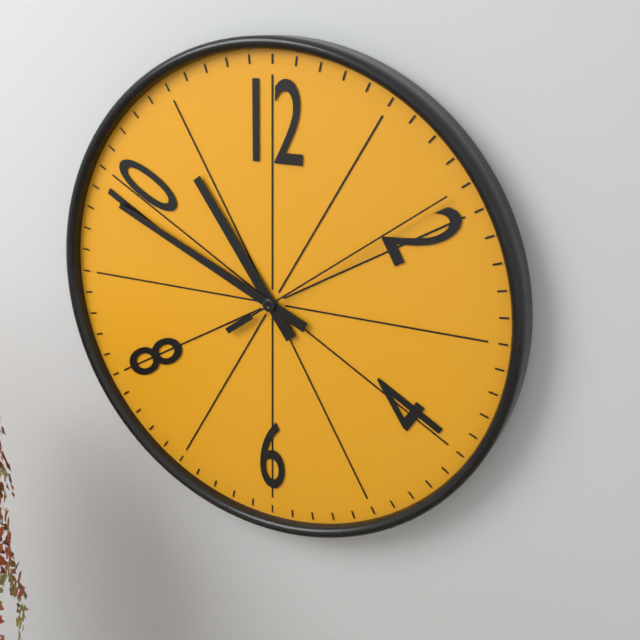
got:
h=10 m=49 s=9
